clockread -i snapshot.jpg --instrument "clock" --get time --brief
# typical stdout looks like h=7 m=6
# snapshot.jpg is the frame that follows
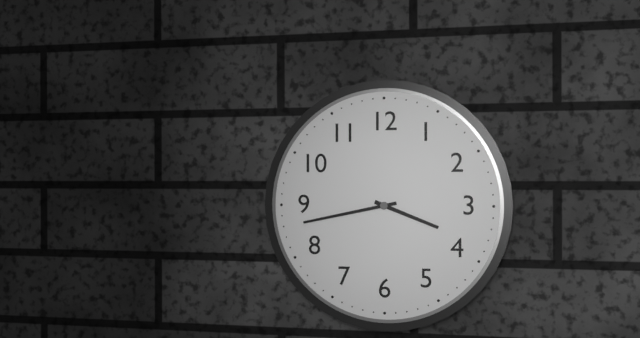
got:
h=3 m=43
